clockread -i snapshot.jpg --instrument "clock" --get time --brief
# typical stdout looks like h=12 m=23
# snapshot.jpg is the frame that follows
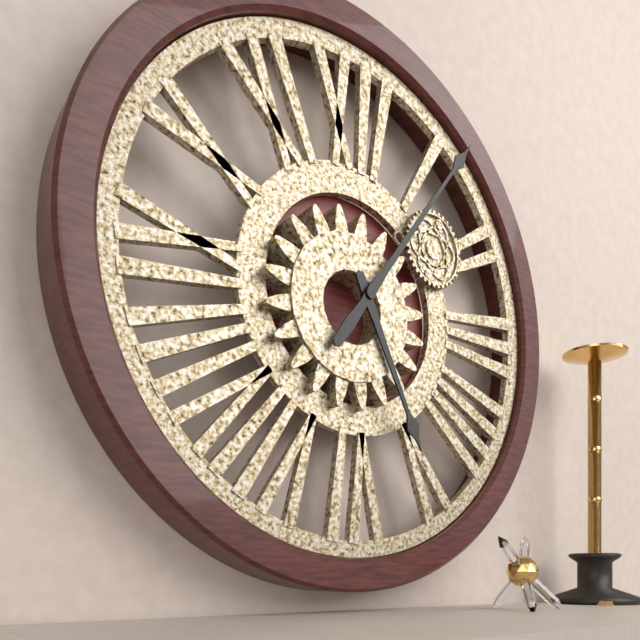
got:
h=5 m=6
